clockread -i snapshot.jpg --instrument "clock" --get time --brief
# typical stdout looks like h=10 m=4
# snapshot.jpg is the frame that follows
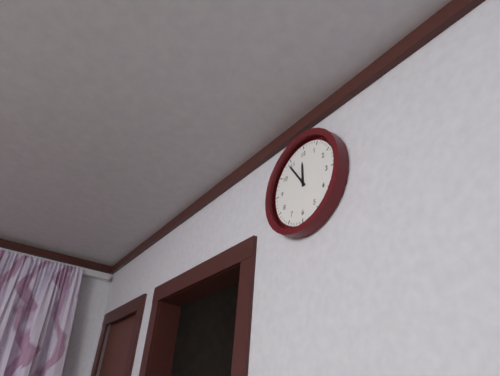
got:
h=11 m=54
